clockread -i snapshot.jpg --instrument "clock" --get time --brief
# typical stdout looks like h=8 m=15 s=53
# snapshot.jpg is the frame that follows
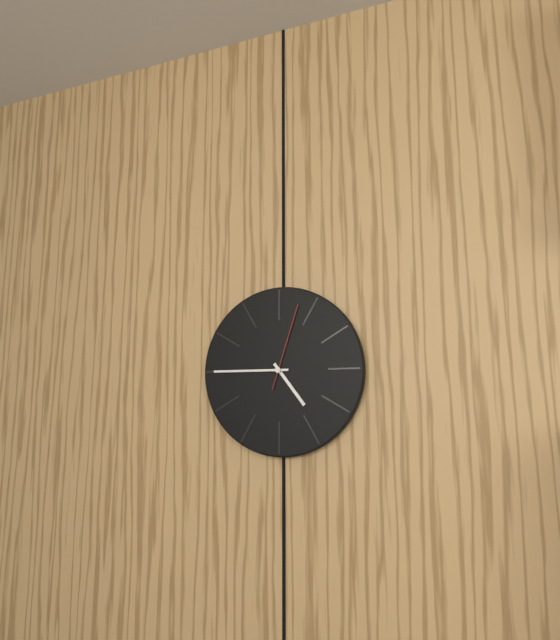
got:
h=4 m=45 s=3
